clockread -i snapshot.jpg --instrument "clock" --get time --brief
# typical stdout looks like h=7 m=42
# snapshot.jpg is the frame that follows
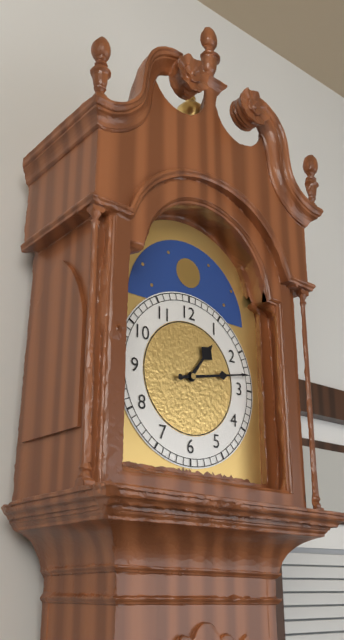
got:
h=1 m=13
